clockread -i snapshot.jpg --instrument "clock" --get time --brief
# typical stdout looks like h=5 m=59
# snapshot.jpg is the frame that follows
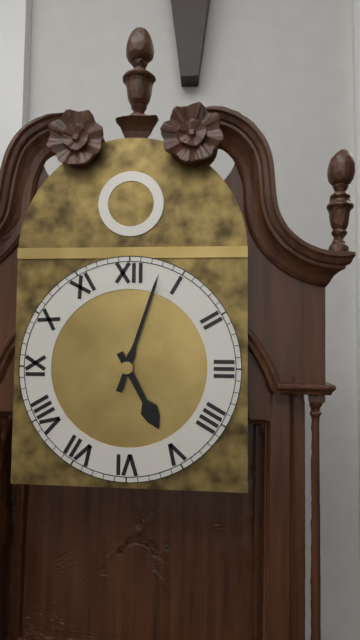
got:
h=5 m=3
